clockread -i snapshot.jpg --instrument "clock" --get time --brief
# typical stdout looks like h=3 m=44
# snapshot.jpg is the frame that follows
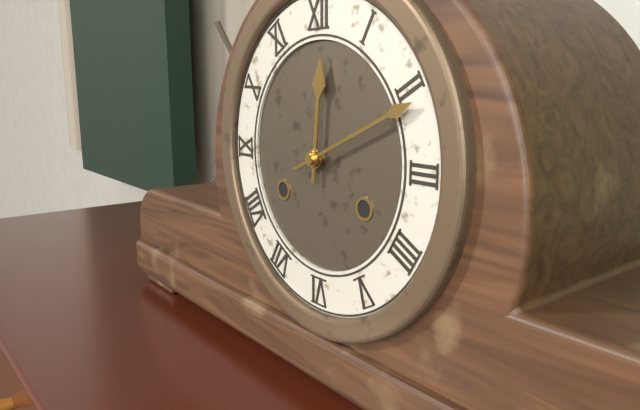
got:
h=12 m=11
